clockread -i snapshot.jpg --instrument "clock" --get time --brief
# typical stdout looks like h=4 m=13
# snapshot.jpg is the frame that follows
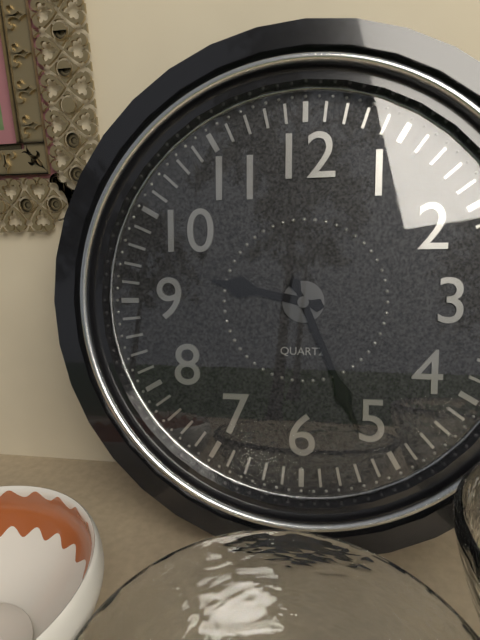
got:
h=9 m=26
